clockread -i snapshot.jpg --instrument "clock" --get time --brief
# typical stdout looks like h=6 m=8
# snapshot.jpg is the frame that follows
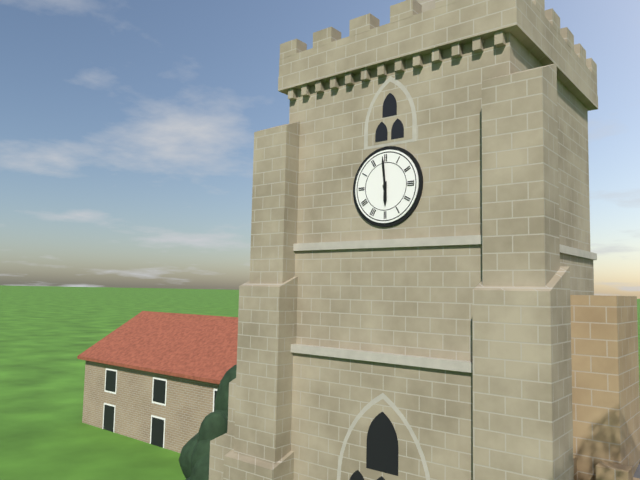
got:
h=5 m=59
